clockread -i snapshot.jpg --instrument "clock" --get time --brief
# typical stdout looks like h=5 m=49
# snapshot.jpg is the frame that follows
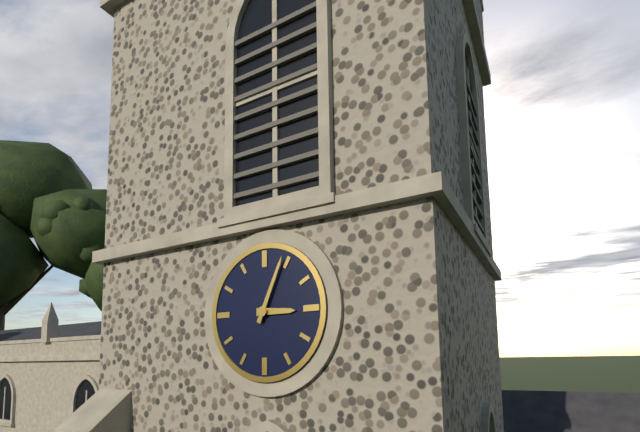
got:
h=3 m=4
